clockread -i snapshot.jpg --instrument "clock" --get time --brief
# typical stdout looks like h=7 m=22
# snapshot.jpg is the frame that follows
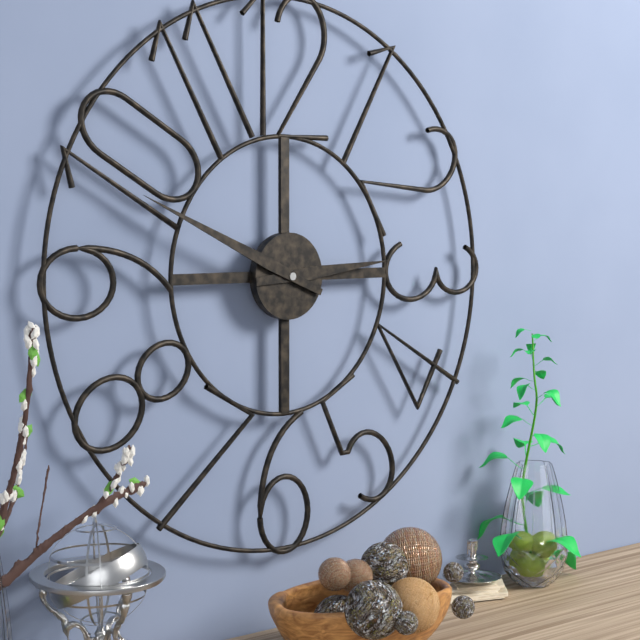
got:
h=2 m=49
